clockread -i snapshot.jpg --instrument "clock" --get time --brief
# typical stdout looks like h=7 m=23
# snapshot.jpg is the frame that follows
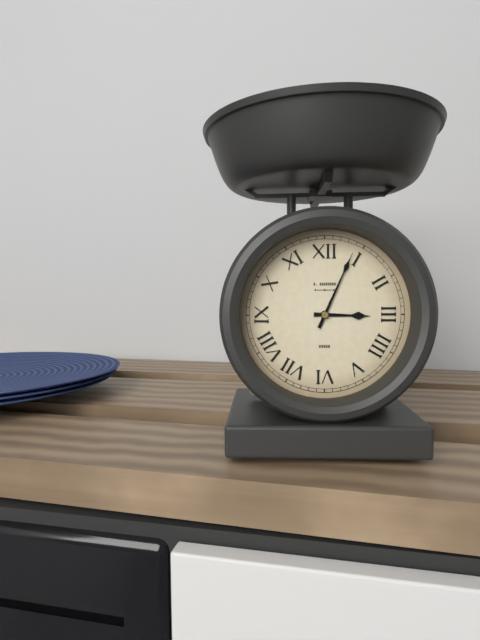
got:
h=3 m=4
